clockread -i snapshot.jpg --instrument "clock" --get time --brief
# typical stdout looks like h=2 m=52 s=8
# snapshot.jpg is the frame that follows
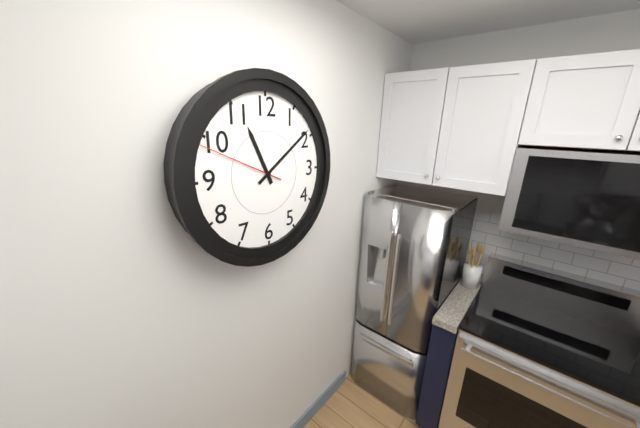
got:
h=11 m=9 s=49
